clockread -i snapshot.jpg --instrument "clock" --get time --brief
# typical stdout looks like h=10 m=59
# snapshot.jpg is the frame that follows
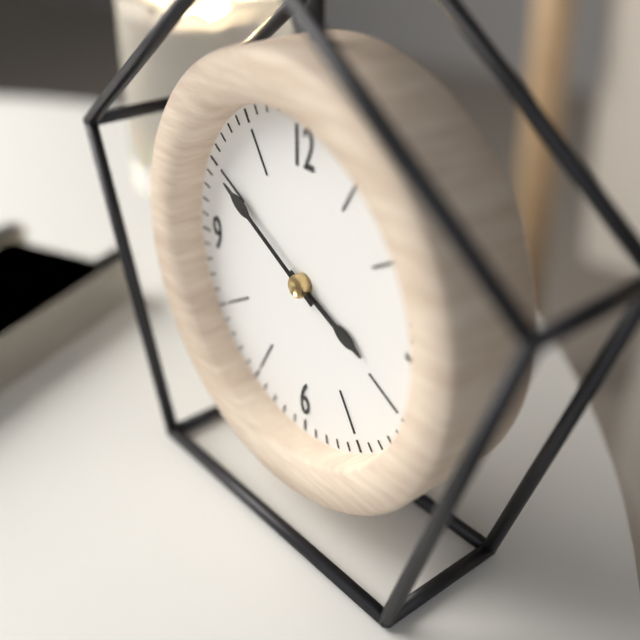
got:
h=3 m=50
